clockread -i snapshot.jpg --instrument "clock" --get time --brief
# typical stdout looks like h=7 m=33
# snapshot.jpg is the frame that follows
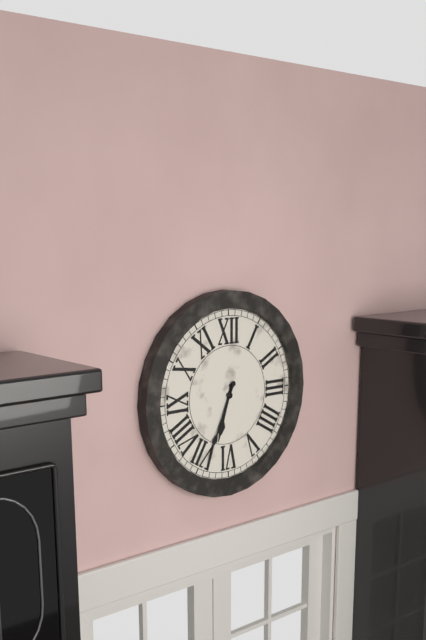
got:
h=6 m=34
